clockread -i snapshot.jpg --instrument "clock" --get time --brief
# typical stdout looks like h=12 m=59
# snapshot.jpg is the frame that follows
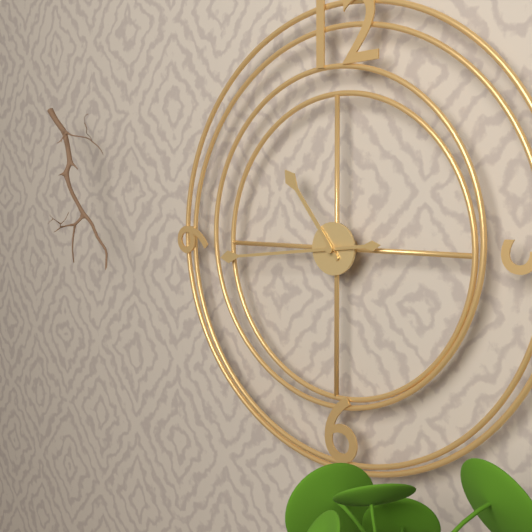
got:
h=10 m=44
